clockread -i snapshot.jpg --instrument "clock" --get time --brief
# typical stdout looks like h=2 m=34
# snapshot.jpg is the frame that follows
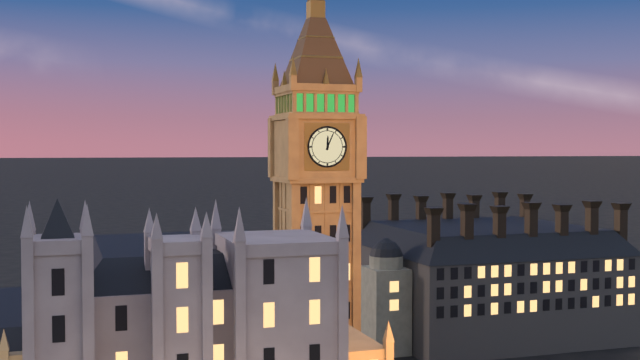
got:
h=12 m=4
